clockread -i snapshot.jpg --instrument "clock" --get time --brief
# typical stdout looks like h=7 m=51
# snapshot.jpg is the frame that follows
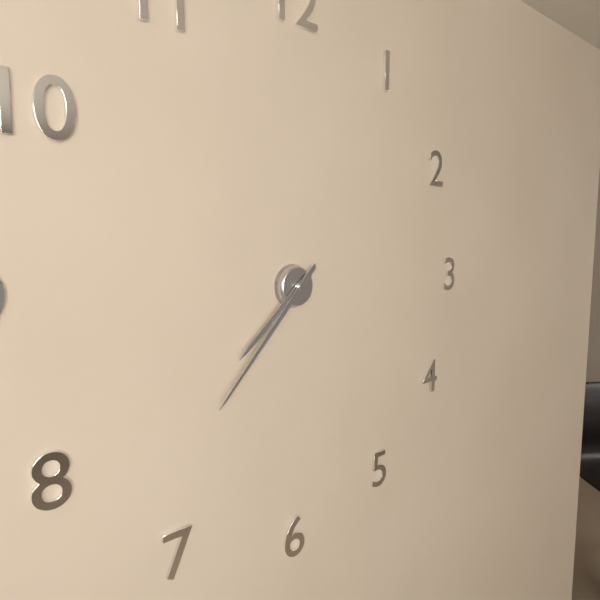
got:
h=7 m=37
